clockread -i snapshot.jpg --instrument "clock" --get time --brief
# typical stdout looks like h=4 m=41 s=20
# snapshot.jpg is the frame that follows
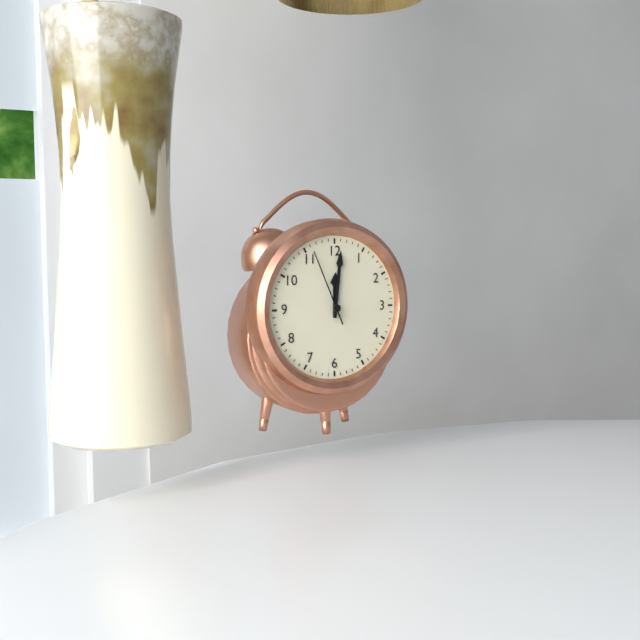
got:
h=12 m=1 s=56
